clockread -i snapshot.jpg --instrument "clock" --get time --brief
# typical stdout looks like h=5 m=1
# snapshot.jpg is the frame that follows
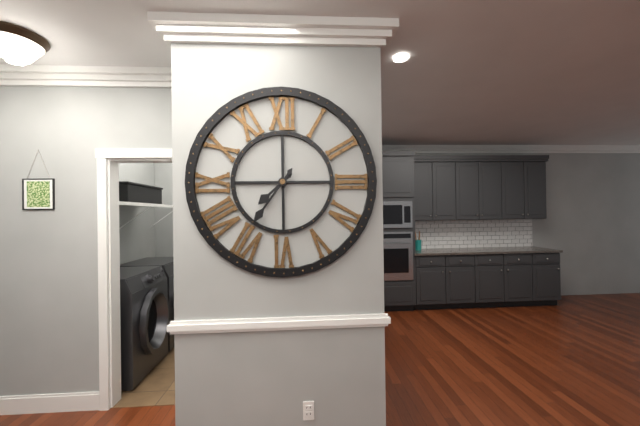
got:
h=7 m=36
